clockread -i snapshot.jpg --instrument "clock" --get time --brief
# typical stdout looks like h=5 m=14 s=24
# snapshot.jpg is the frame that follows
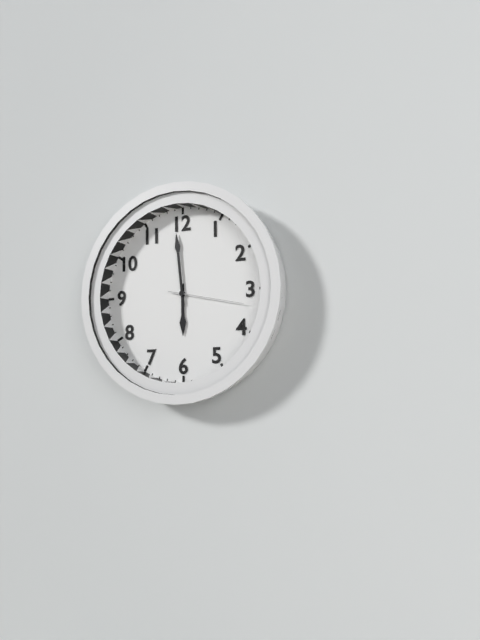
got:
h=5 m=59 s=17
